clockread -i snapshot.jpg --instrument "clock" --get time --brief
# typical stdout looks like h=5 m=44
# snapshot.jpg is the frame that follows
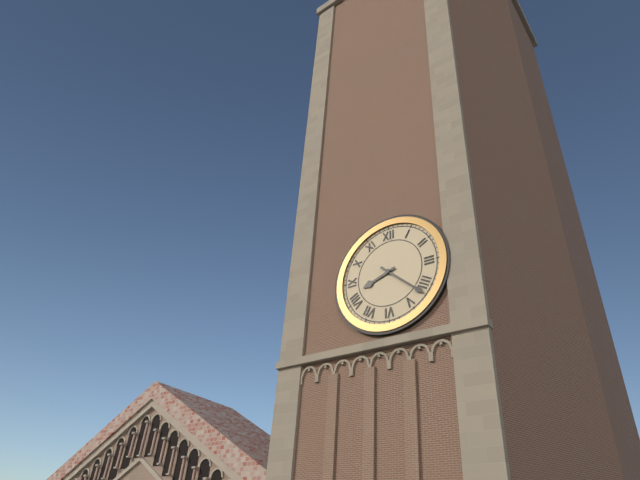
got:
h=8 m=22
